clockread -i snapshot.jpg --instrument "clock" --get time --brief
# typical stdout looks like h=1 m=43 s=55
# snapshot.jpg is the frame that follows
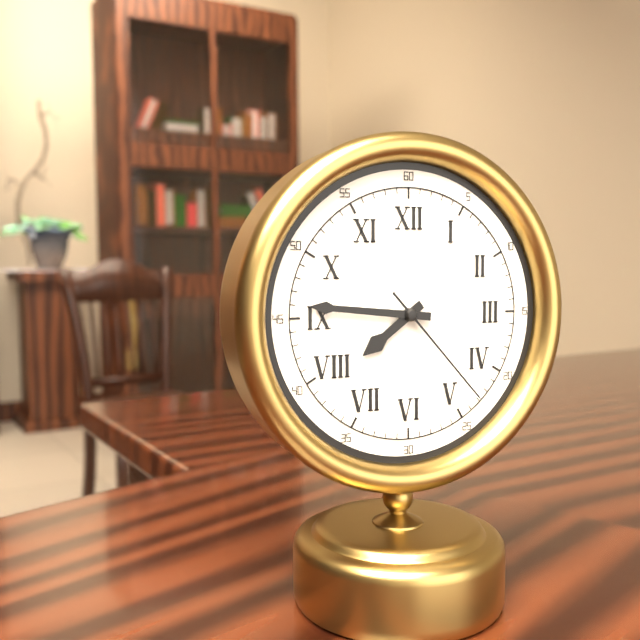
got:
h=7 m=46 s=23
